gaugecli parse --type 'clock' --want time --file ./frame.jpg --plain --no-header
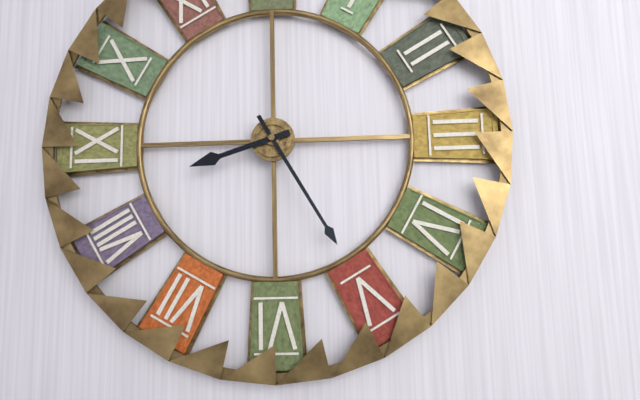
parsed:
8:25
